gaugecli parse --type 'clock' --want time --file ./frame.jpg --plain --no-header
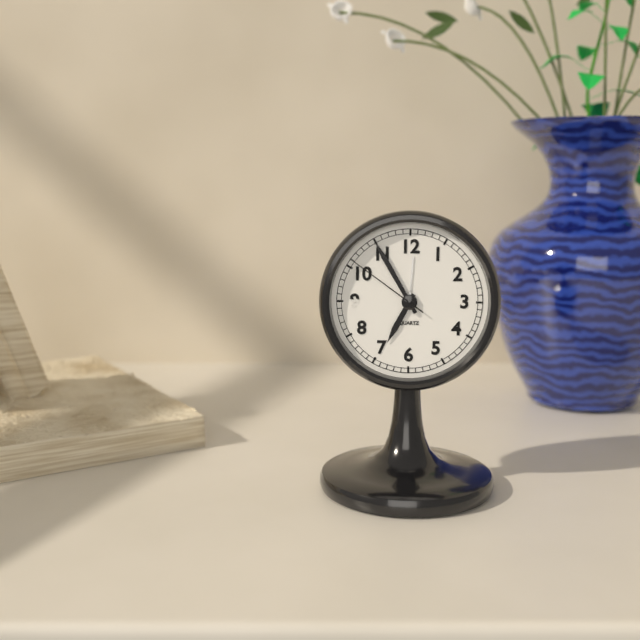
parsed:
6:55:51
